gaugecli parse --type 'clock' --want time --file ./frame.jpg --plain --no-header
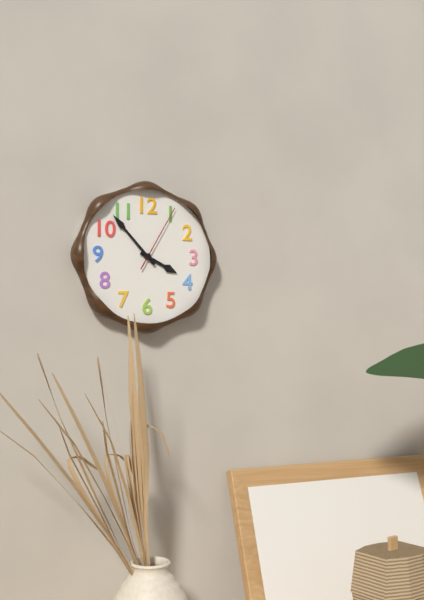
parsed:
3:53:05
